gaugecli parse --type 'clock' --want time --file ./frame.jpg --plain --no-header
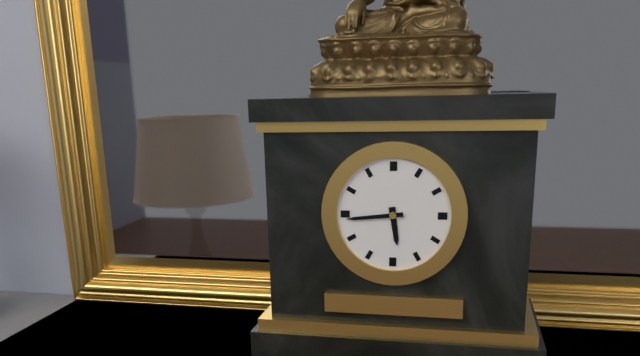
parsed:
5:44
